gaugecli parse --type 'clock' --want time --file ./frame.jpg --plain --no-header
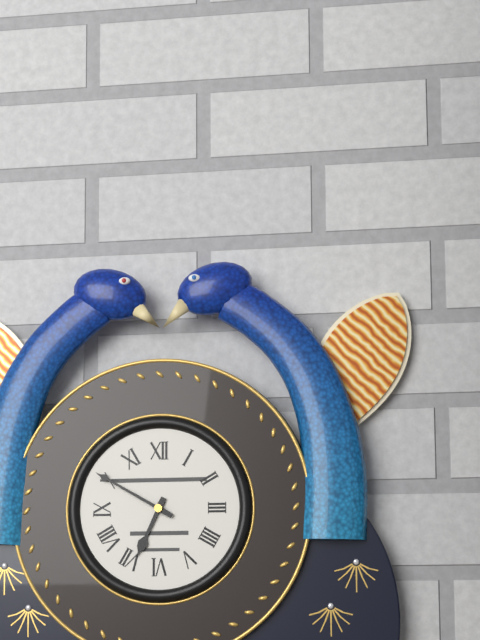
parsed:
6:50
